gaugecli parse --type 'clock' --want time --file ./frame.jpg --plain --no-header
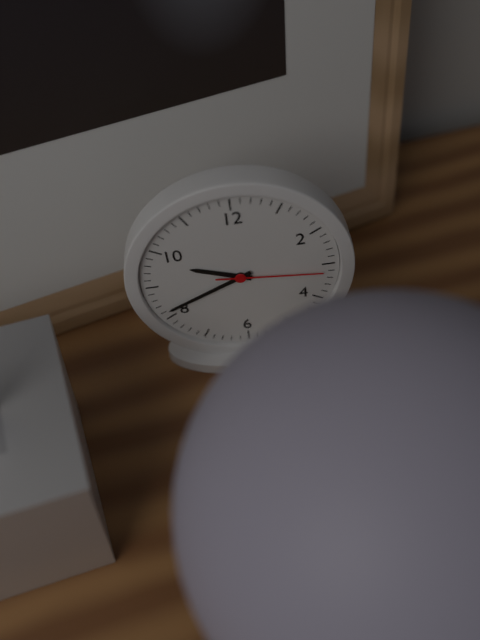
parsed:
9:41:16
